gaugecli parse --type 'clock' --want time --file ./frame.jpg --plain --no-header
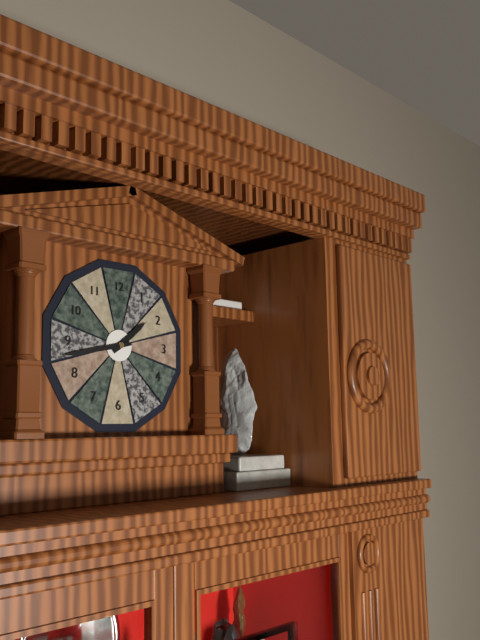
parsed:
1:43
